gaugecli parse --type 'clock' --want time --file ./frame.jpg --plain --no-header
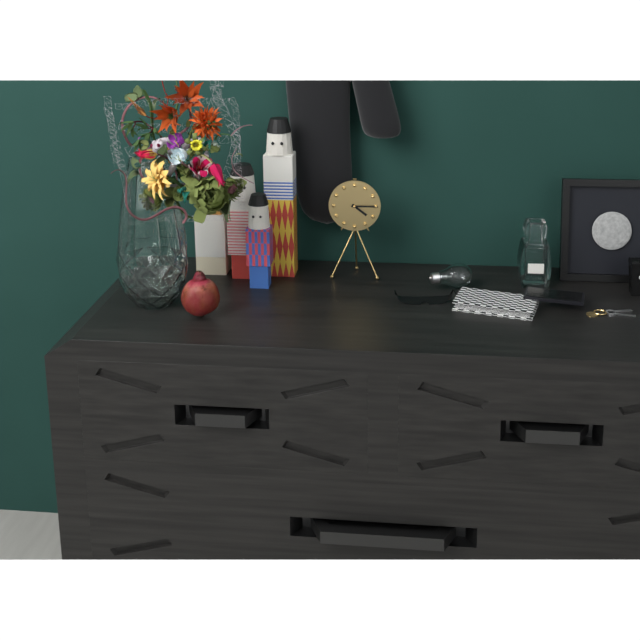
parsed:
4:15
